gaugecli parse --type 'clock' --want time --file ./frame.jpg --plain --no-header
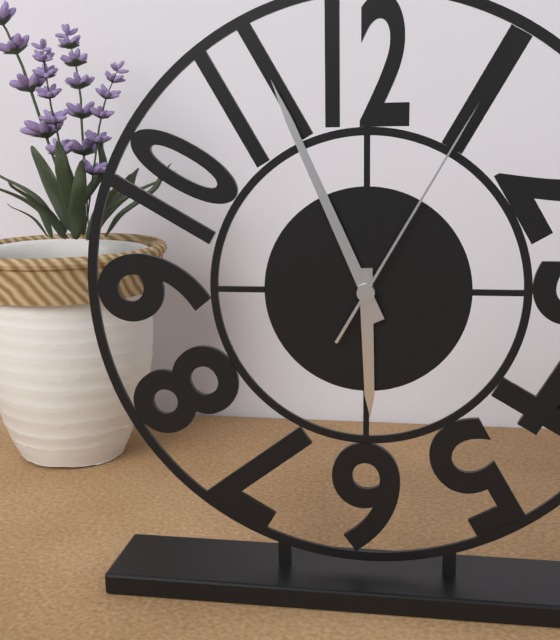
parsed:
5:56:05
